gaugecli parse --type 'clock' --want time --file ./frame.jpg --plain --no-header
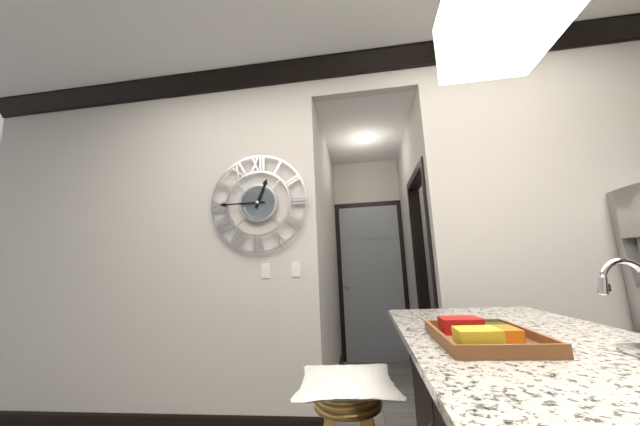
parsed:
12:45
